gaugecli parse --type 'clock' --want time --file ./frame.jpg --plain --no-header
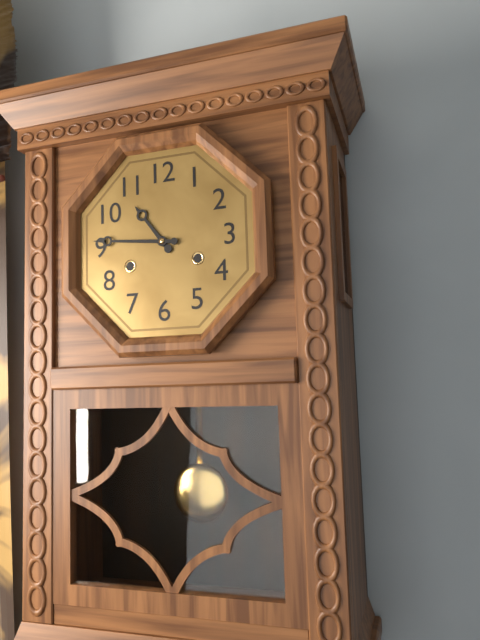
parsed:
10:46
